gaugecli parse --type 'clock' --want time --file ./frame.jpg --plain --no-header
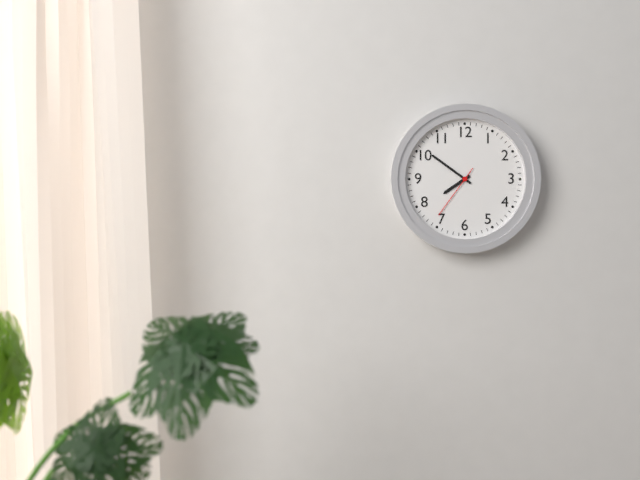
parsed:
7:51:36
